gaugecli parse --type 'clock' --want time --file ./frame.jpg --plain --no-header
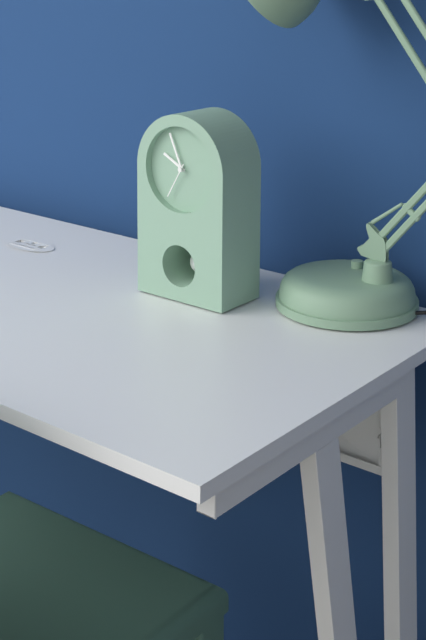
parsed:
9:56
